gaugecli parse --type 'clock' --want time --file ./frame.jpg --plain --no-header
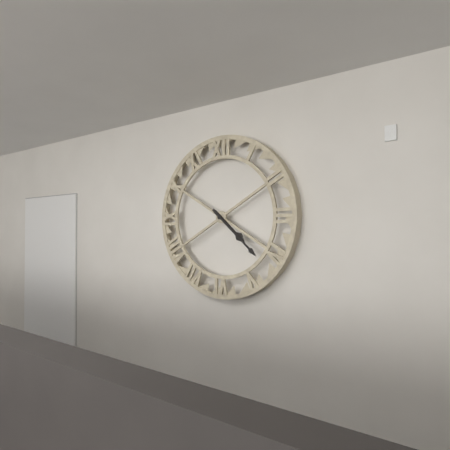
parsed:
4:22
